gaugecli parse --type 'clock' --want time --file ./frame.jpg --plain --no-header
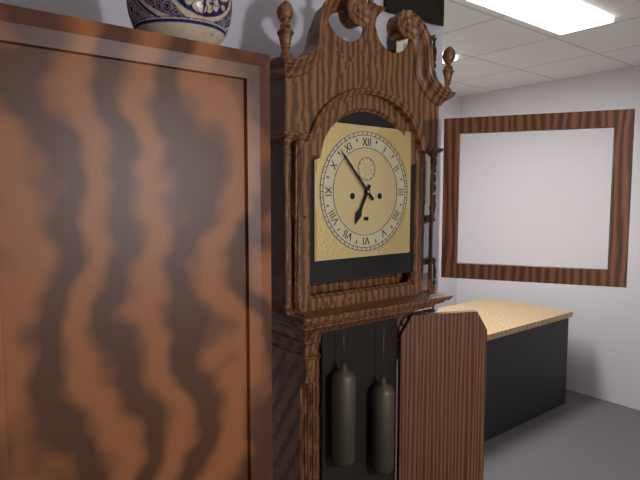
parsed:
6:53
